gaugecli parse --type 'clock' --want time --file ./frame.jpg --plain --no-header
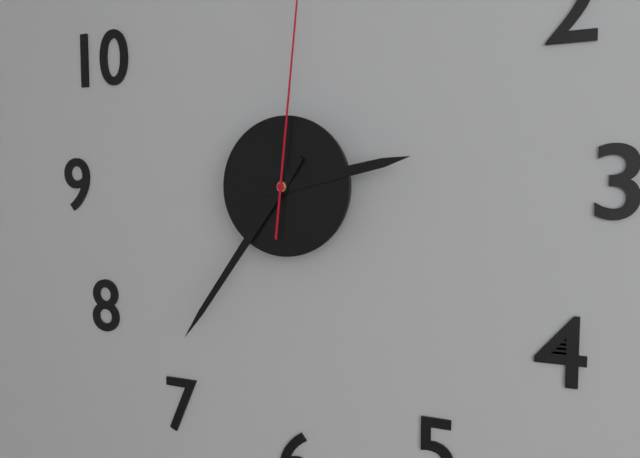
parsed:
2:36
